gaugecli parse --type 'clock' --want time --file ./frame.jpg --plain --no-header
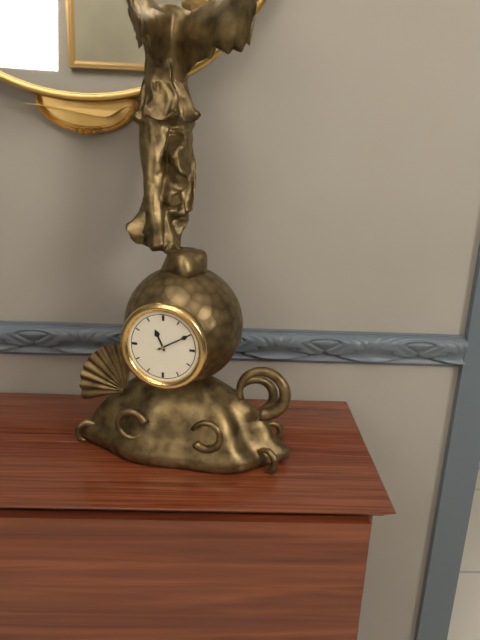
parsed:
11:10
